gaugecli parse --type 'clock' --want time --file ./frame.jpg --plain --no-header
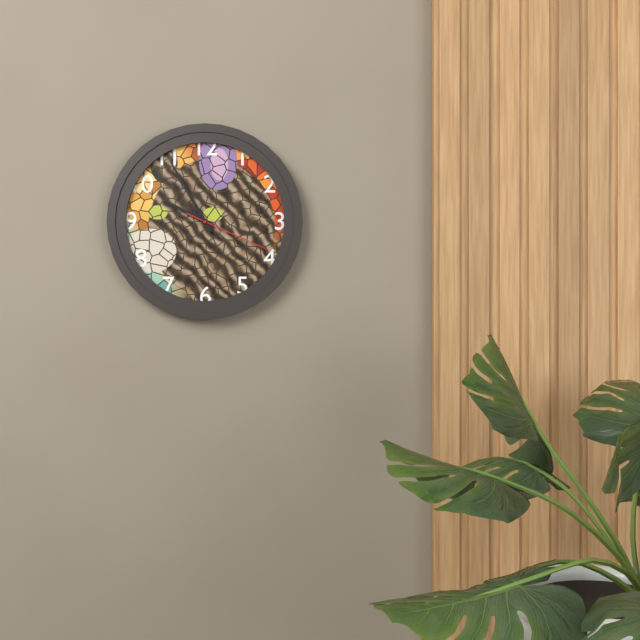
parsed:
9:55:19
